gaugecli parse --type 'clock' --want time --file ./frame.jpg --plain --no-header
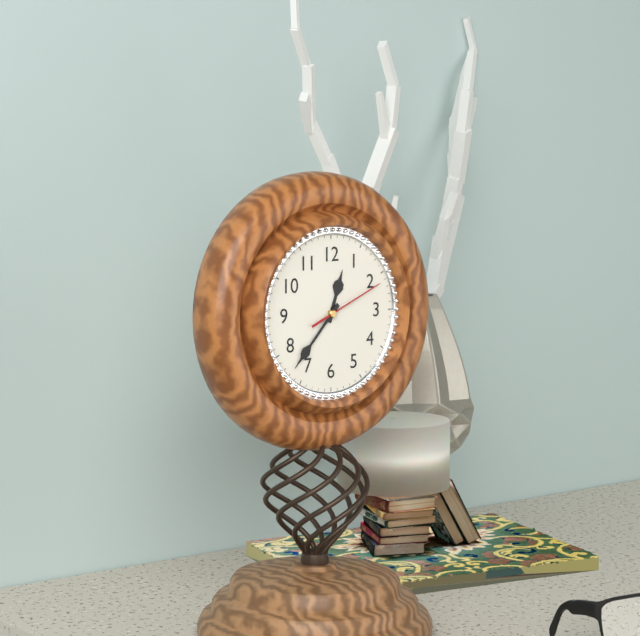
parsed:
12:37:11
